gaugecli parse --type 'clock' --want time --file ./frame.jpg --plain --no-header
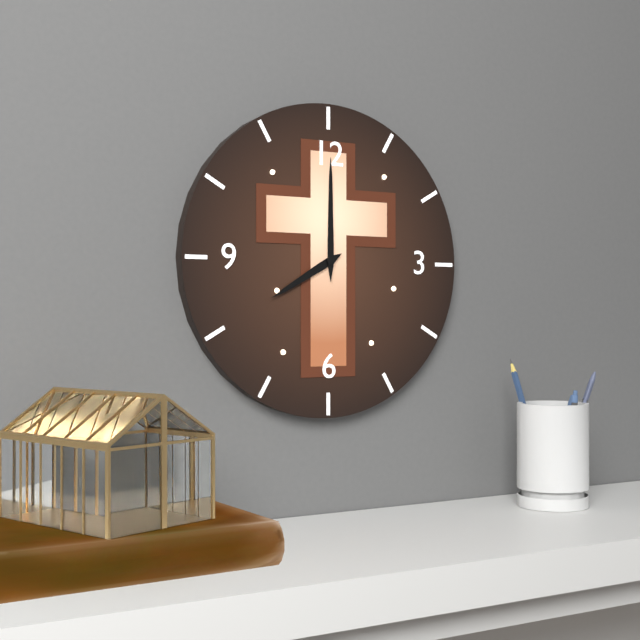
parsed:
8:00
